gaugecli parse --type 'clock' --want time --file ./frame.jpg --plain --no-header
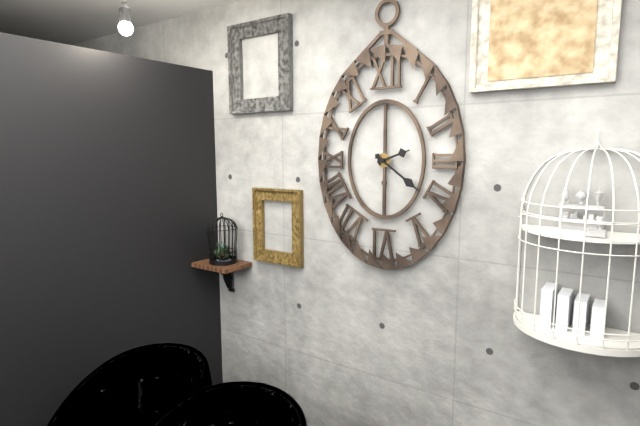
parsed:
2:21
